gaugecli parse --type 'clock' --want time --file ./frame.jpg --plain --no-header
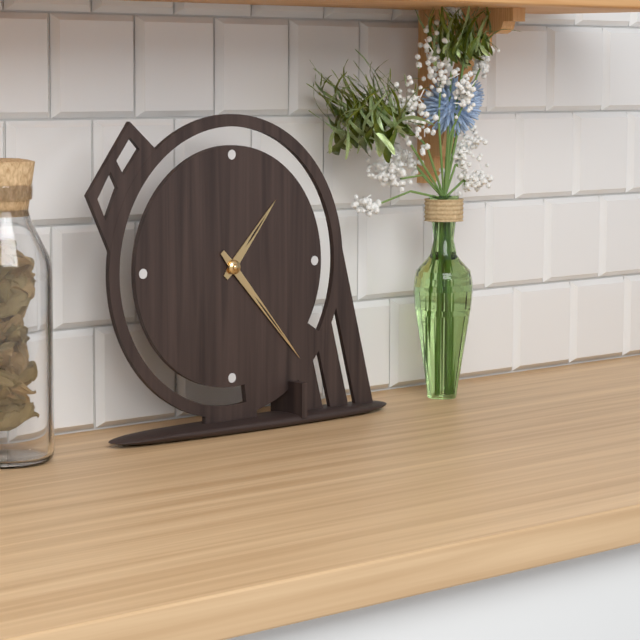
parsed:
1:23
